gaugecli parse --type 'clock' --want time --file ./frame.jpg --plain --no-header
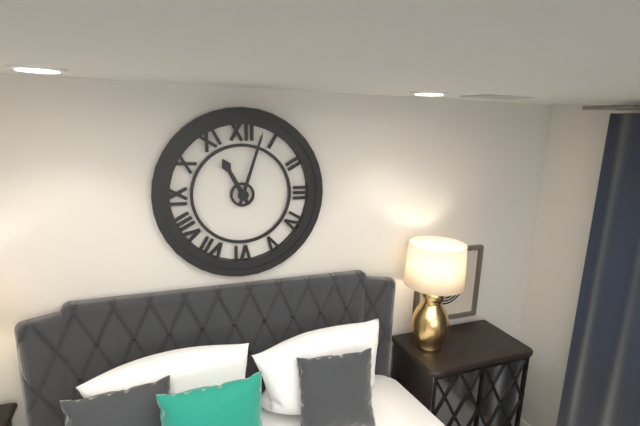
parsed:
11:03
